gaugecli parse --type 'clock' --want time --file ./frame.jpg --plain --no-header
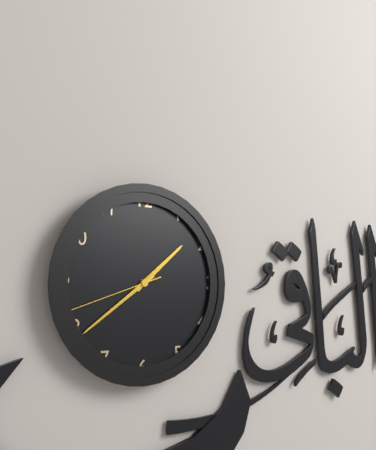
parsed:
1:39:42
